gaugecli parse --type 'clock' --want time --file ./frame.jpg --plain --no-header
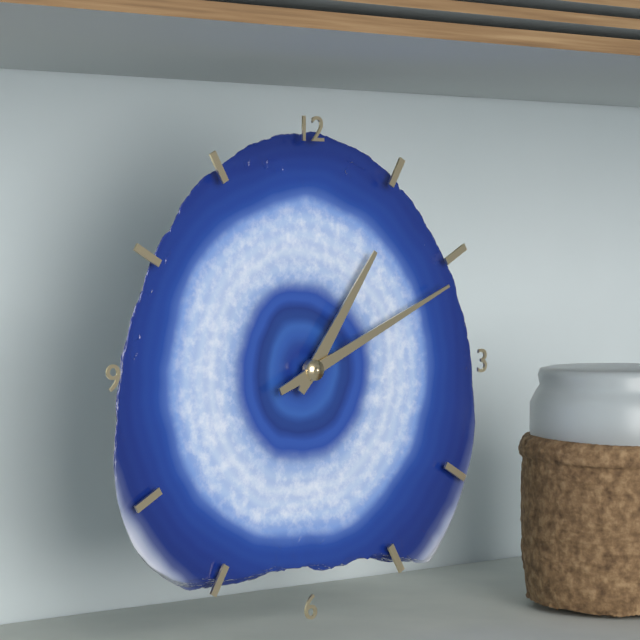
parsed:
1:11
